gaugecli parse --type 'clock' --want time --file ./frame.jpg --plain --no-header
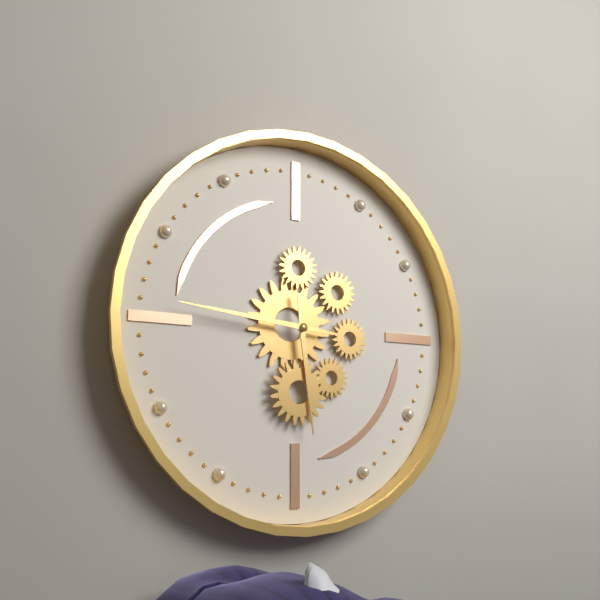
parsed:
5:46
